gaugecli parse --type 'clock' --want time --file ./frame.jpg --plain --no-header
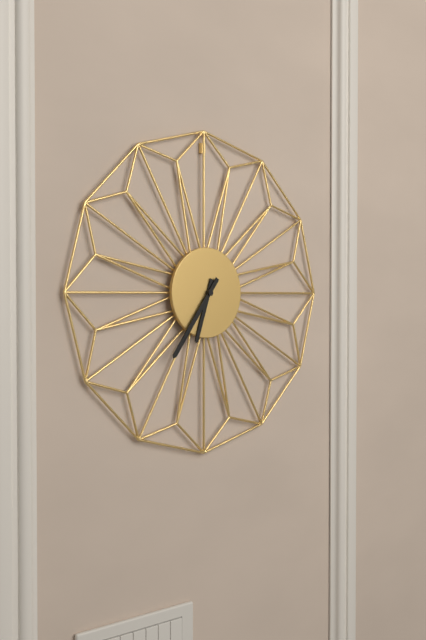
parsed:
6:36
